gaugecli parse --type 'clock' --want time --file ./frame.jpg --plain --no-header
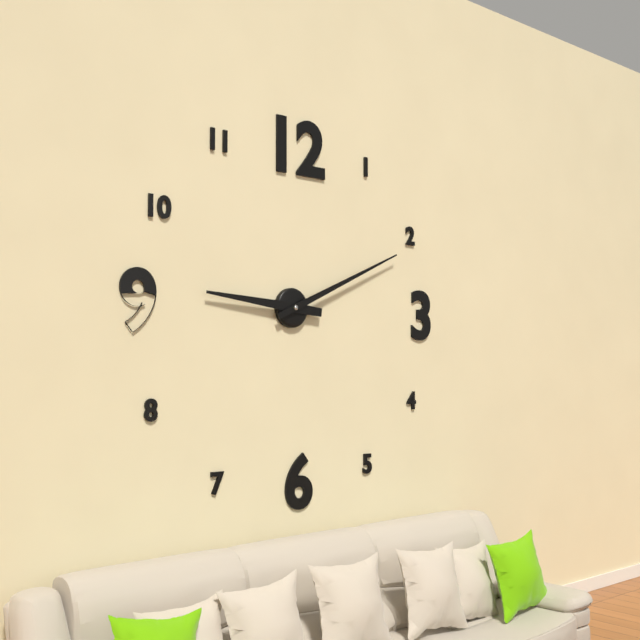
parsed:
9:11
